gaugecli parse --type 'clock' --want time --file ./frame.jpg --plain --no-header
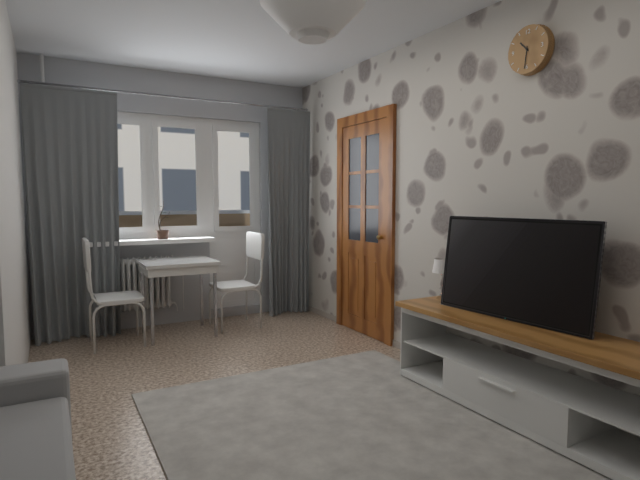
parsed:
10:31
